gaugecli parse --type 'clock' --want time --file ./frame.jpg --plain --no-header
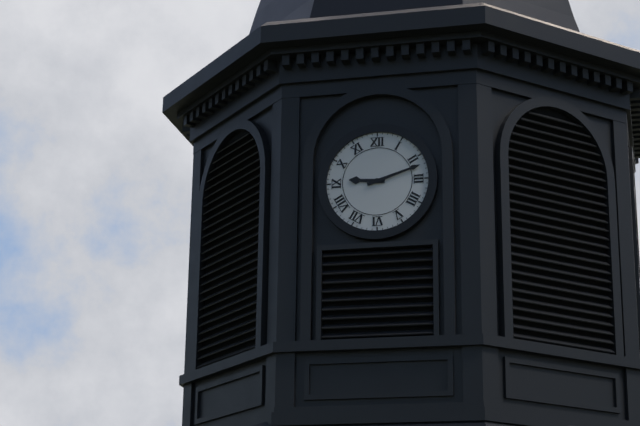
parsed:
9:12
